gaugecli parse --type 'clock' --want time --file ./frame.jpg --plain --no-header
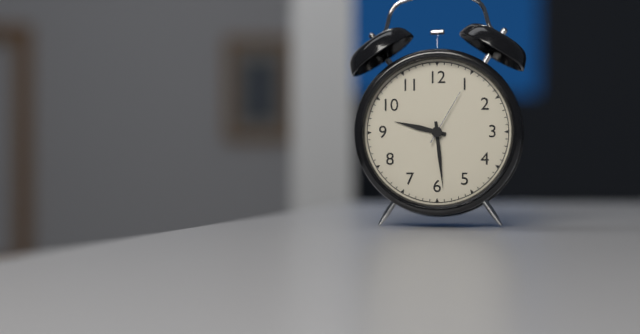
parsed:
9:29:05
